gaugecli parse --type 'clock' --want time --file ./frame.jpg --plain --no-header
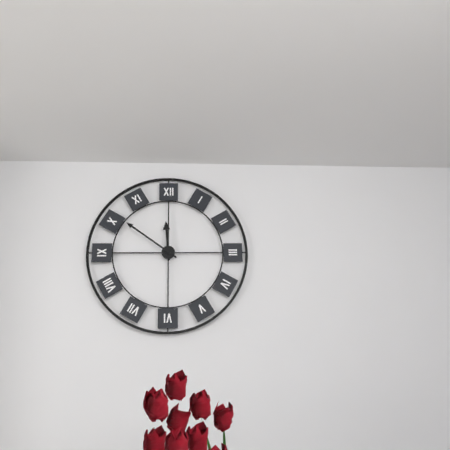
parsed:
11:51
